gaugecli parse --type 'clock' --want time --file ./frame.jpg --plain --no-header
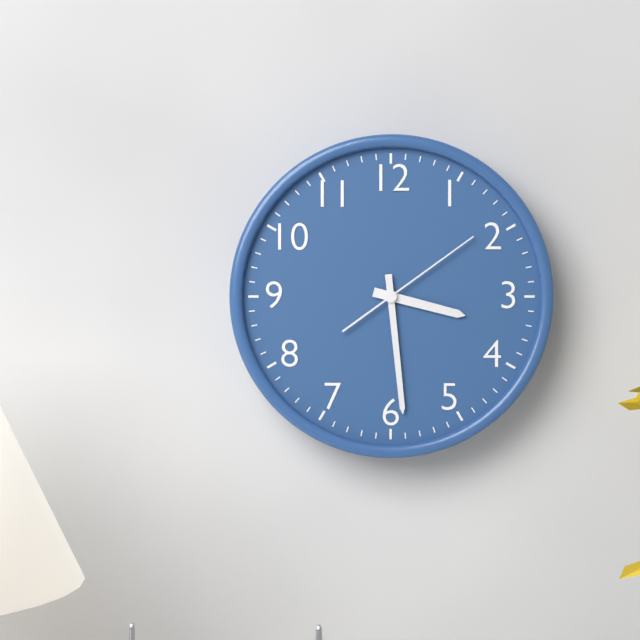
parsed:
3:29:09
